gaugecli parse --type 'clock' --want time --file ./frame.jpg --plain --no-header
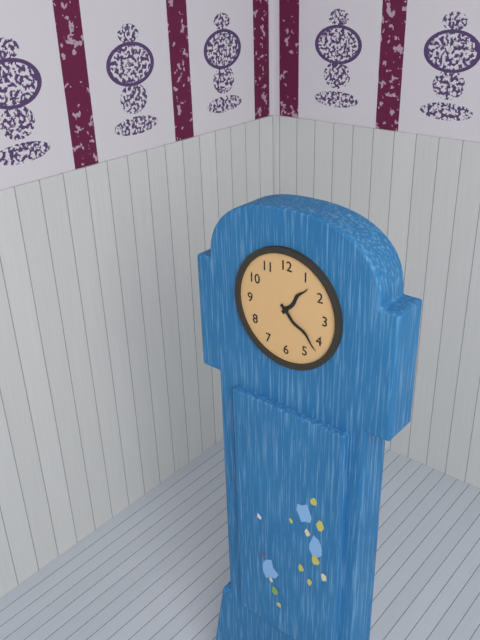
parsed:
1:22
